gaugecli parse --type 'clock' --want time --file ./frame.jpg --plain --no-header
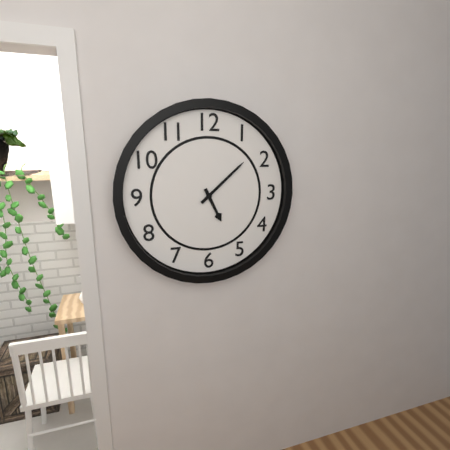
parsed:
5:08
